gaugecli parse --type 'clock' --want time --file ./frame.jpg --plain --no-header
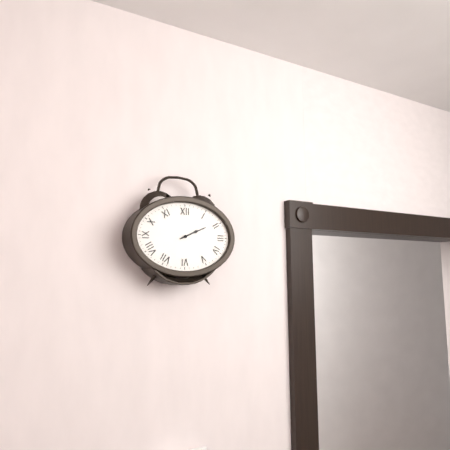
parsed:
2:11
